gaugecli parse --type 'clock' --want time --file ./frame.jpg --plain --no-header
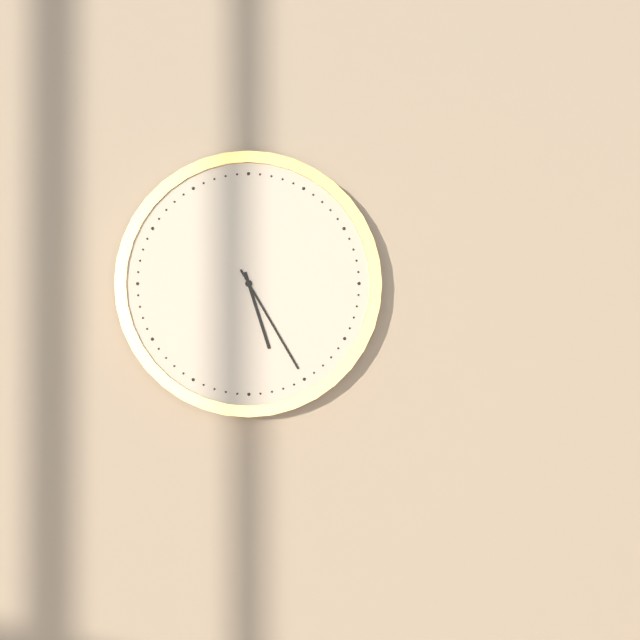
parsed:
5:25
